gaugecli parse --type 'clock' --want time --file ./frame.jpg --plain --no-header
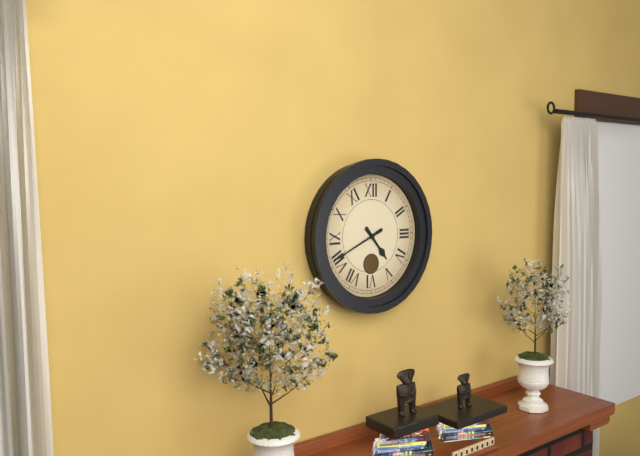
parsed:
4:41
